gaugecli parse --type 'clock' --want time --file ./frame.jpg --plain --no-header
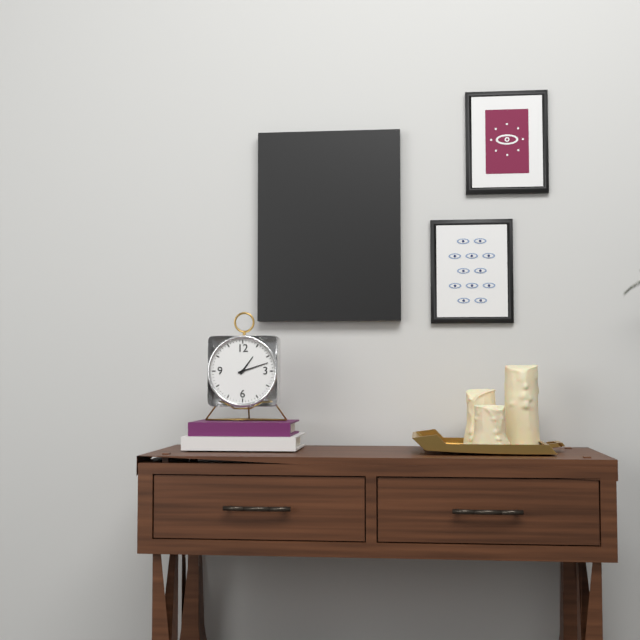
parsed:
1:12
